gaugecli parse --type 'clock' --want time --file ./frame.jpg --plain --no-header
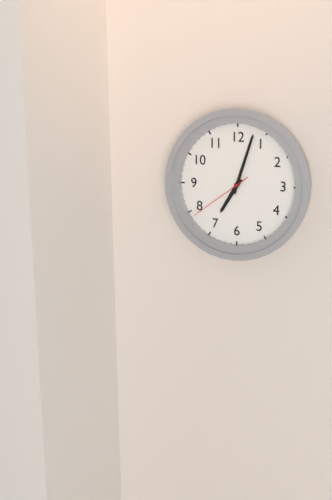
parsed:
7:03:39
